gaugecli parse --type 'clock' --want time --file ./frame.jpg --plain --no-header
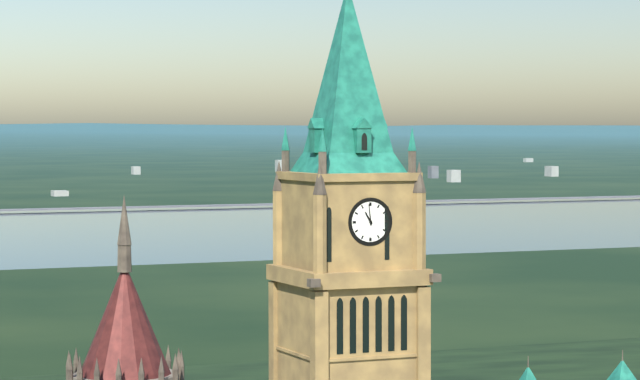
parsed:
10:59
